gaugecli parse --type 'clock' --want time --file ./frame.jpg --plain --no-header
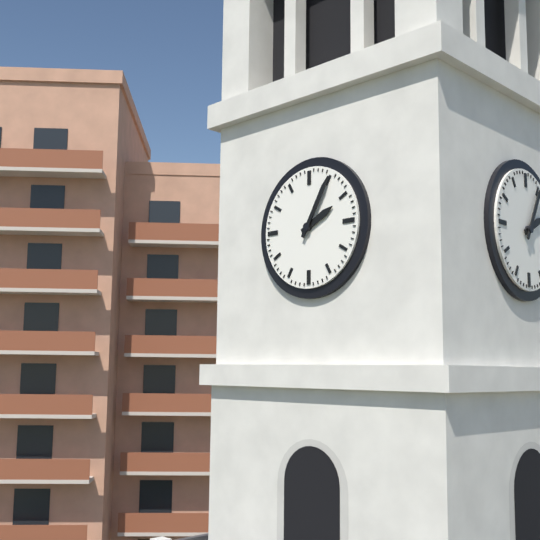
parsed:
2:05
